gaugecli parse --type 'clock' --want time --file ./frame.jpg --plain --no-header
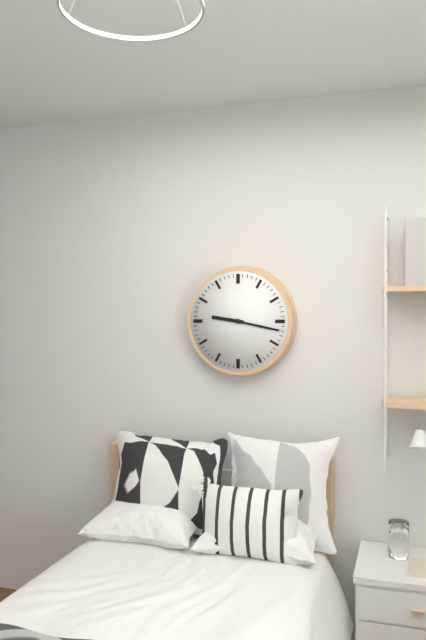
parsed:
9:17
